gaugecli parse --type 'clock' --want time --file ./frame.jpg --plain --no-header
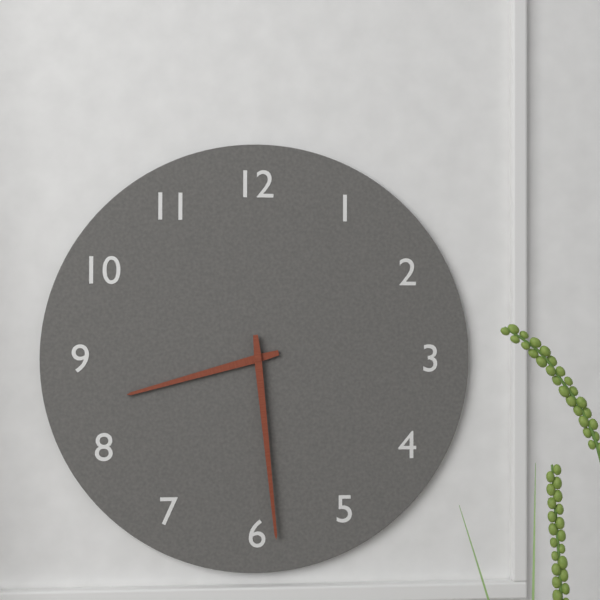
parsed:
8:29
